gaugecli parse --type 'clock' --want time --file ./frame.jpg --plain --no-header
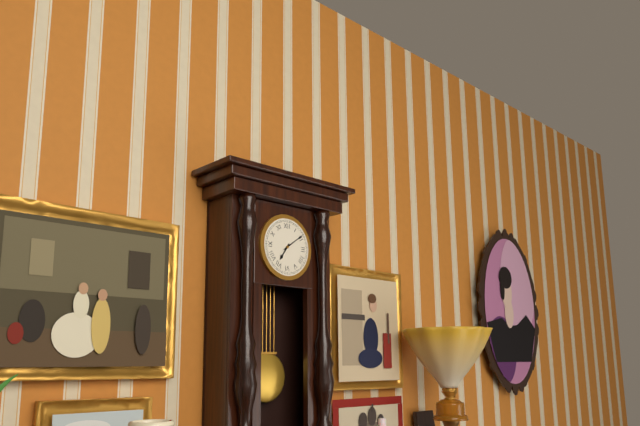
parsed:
7:09
